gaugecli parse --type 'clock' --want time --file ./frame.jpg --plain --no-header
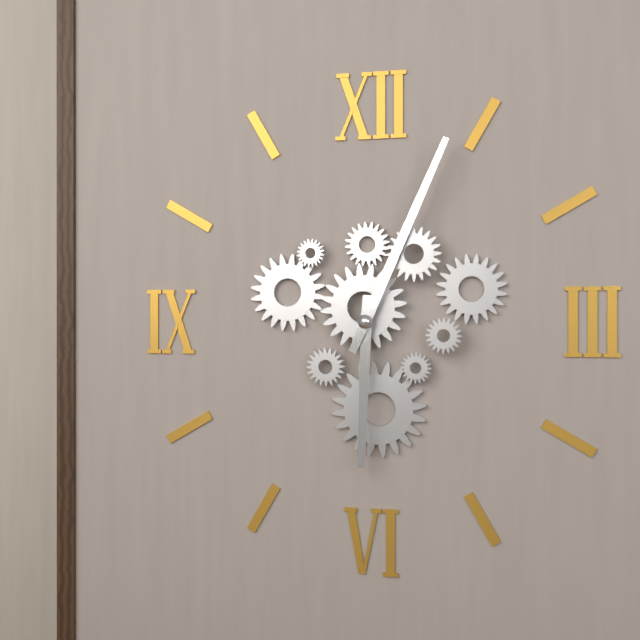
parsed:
6:04
